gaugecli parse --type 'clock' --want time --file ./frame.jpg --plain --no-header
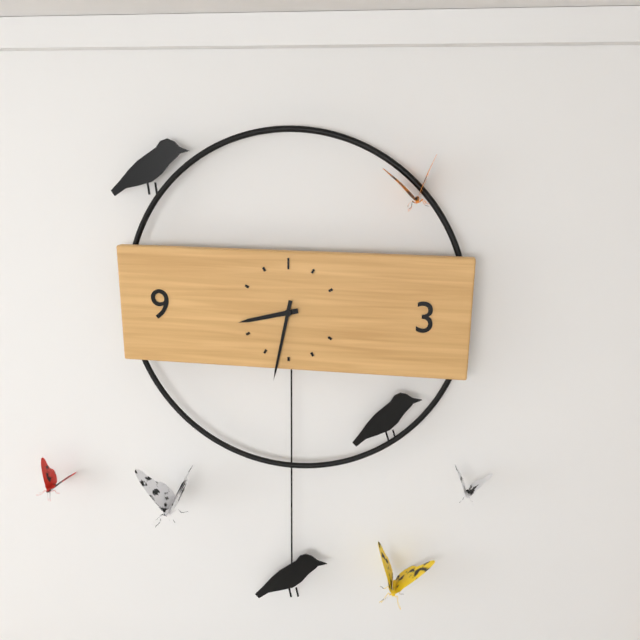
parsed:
8:32
